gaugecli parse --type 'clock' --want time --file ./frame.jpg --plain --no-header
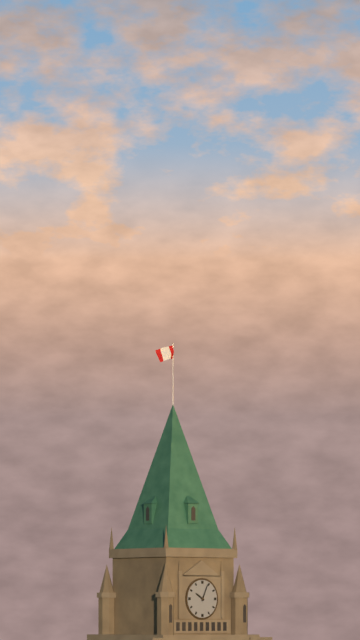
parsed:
10:04
